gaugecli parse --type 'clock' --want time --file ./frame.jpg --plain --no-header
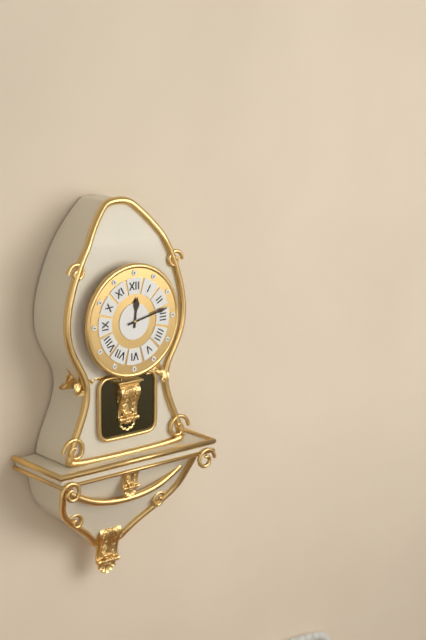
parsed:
12:13
